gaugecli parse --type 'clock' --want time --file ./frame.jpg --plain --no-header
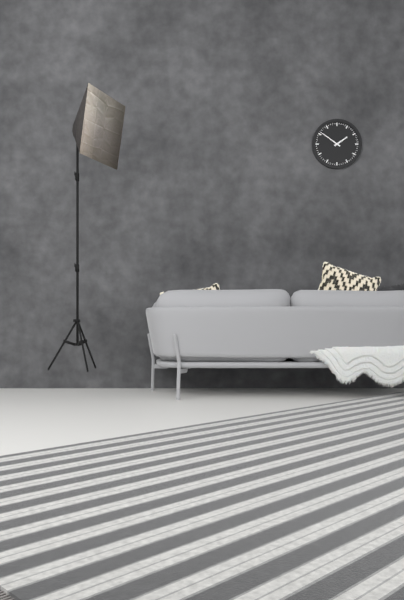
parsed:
1:51
